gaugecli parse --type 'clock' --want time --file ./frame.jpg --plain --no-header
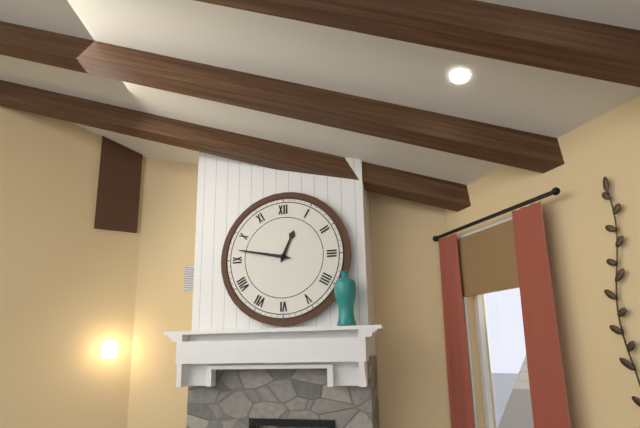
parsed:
12:47
